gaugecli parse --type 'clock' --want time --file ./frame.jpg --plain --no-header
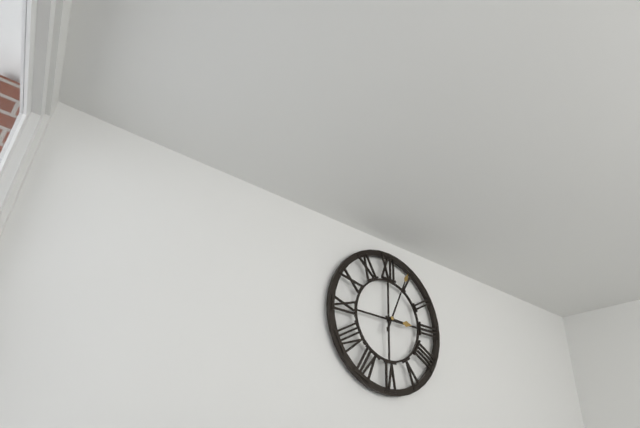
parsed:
3:04
